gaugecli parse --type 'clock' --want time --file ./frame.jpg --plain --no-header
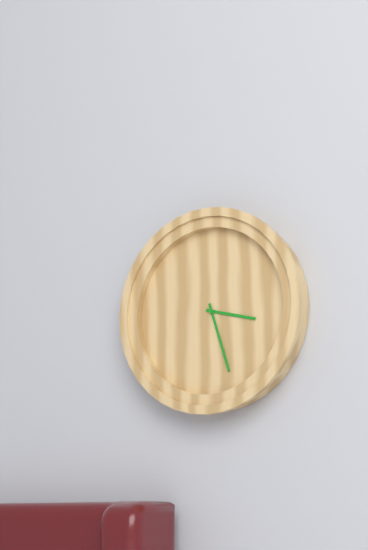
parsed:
3:27
